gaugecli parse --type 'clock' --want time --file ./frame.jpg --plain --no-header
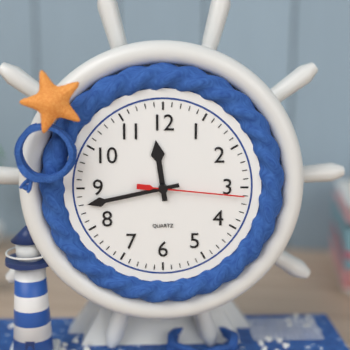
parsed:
11:43:16
